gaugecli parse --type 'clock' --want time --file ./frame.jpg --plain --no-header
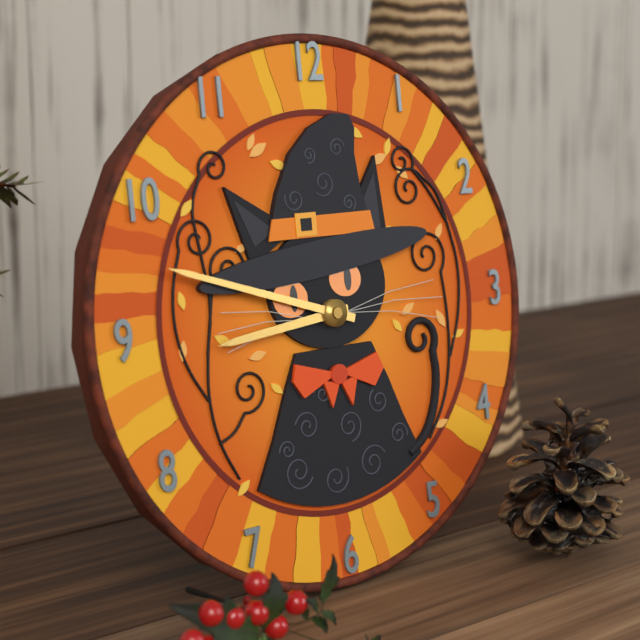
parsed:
8:48
